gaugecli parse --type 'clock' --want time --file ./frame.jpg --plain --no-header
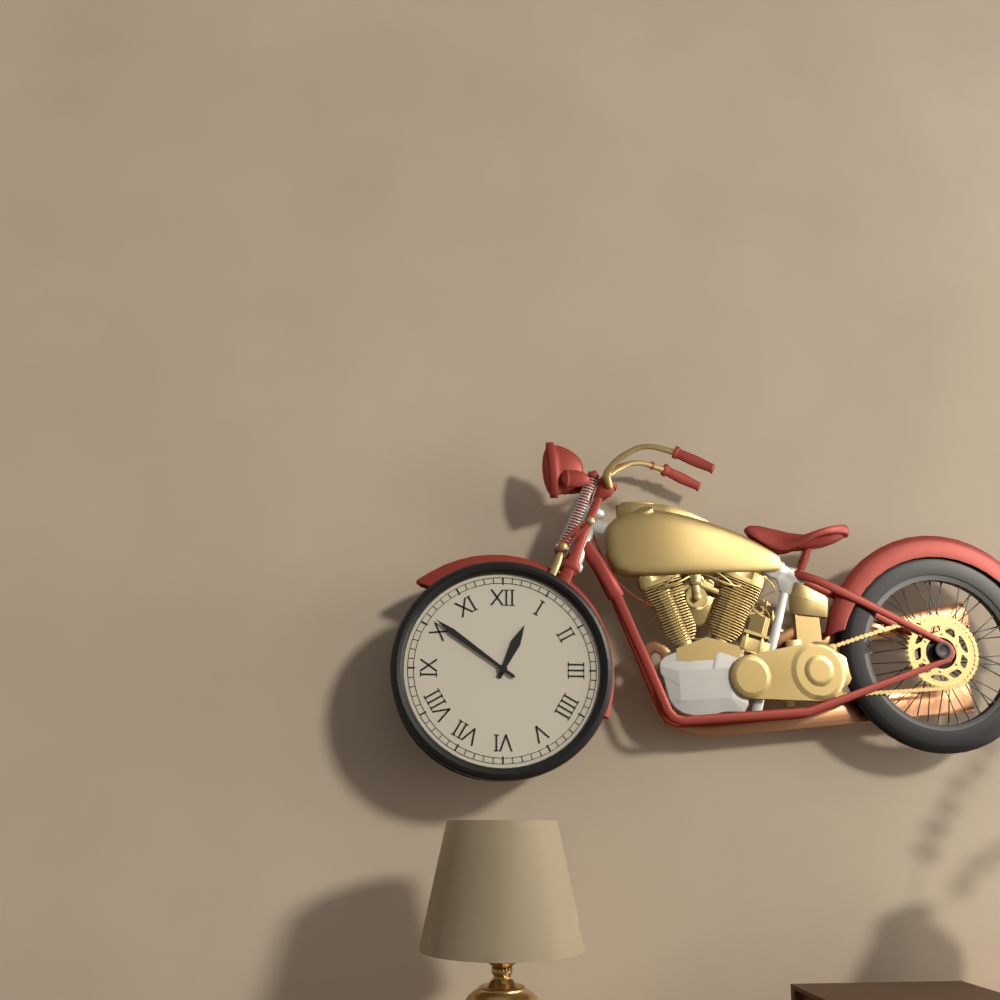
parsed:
12:51
